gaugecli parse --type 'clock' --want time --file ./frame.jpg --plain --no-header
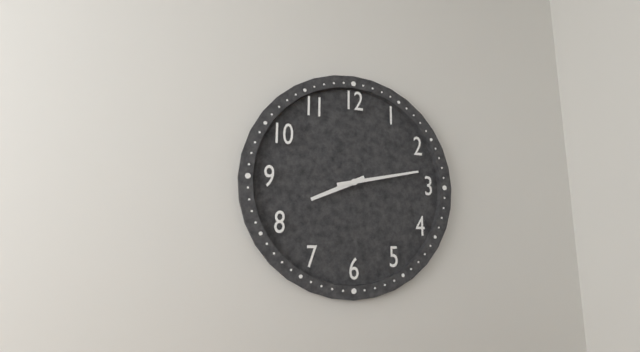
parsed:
8:13
